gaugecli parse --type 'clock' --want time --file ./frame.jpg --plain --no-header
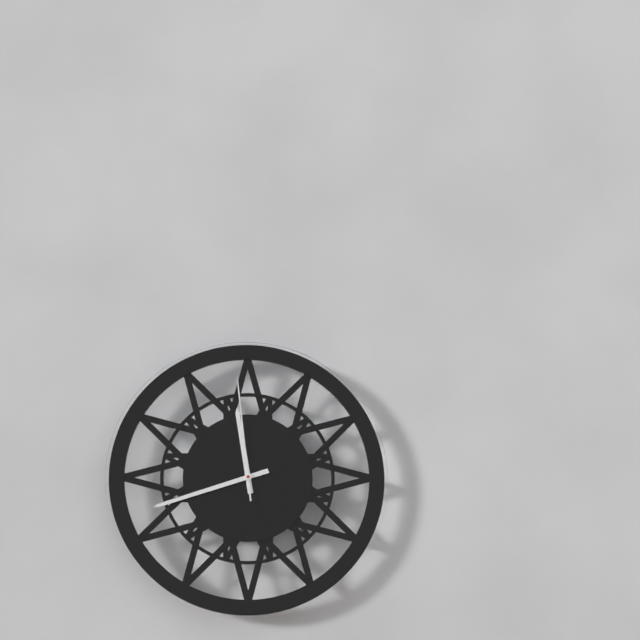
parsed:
11:42:59
